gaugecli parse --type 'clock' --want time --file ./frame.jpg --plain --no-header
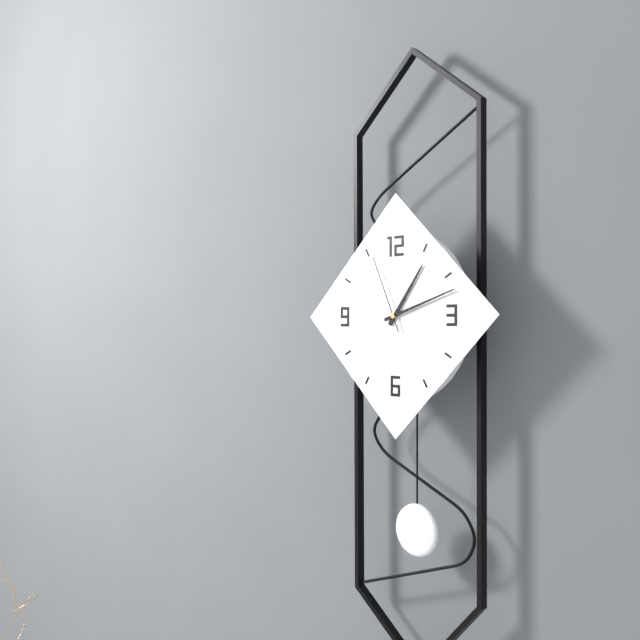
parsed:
1:12:56
